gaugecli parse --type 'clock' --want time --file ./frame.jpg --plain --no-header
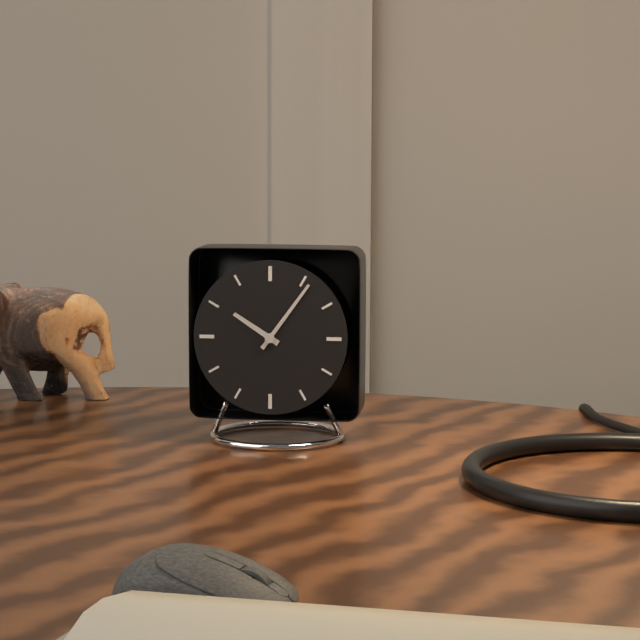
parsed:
10:06
